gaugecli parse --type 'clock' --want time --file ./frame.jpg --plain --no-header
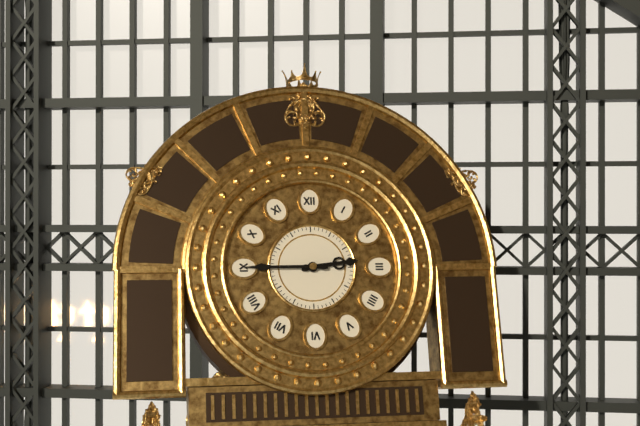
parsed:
2:45
